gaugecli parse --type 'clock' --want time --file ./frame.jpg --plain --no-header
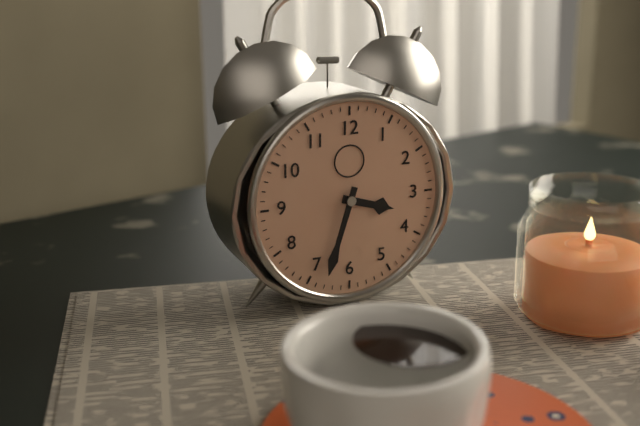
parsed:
3:33
